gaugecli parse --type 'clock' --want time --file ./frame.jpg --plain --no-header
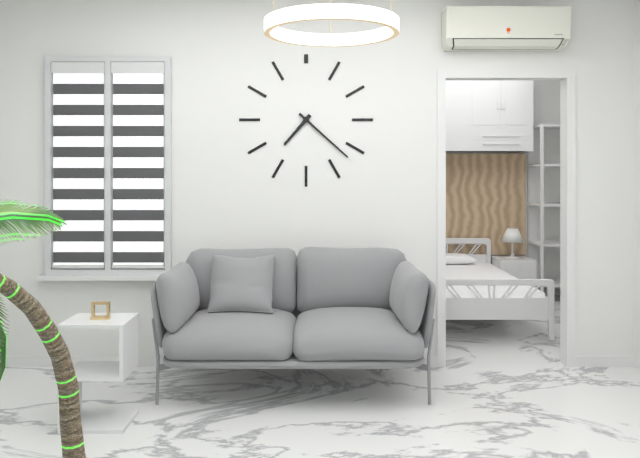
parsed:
7:22
